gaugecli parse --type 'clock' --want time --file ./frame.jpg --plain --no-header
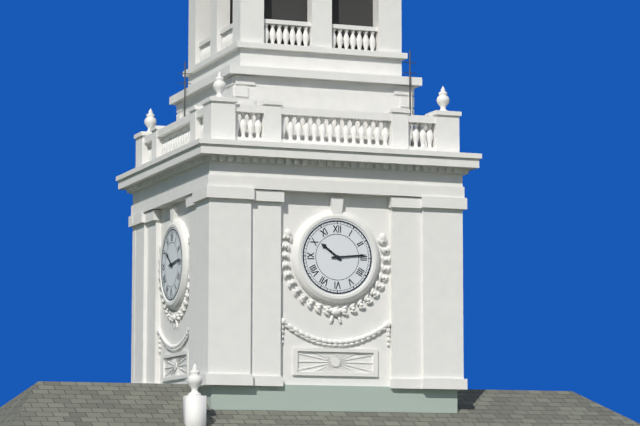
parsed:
10:14
